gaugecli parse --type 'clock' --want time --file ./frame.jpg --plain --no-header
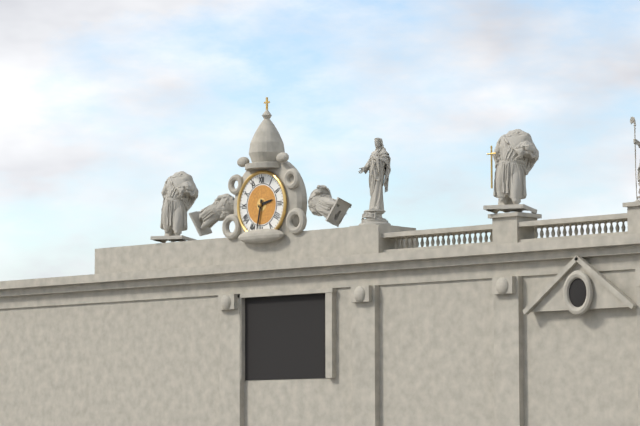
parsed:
2:32
